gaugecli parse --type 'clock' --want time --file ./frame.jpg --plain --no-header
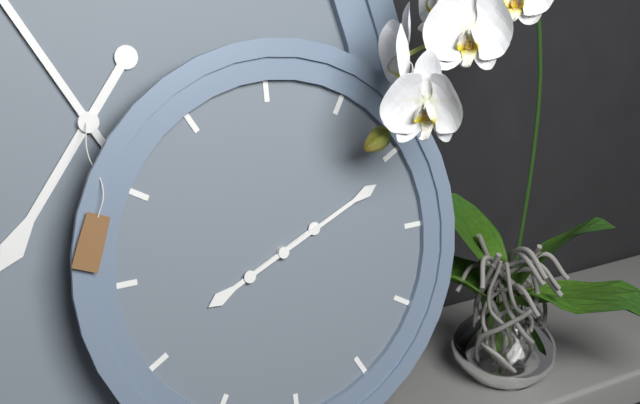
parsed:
8:11
